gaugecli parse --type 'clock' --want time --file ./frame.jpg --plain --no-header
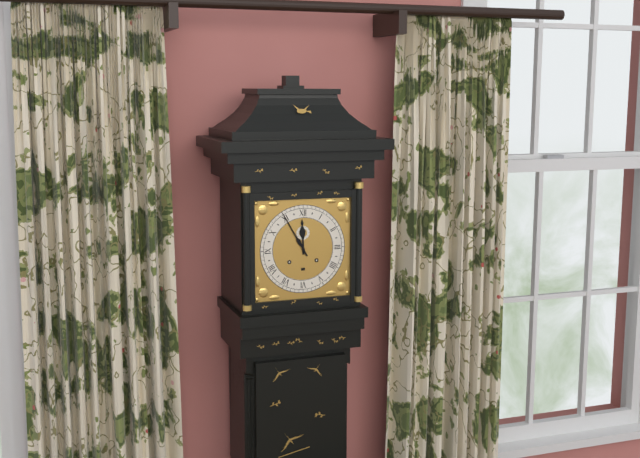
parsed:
11:55
